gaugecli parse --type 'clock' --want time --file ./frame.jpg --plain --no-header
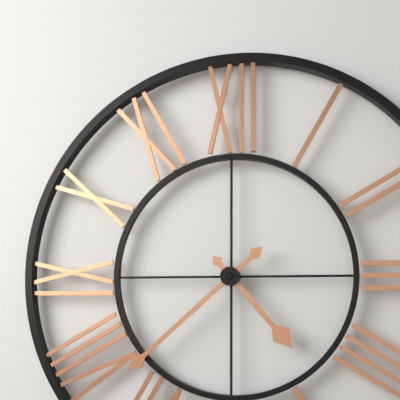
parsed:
4:38
